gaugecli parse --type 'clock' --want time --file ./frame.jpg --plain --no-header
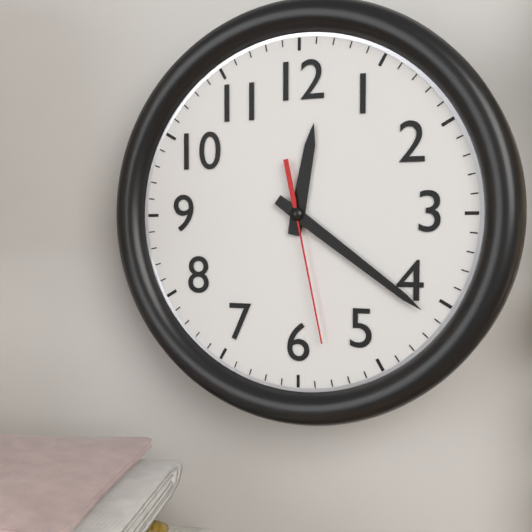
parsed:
12:21:28
